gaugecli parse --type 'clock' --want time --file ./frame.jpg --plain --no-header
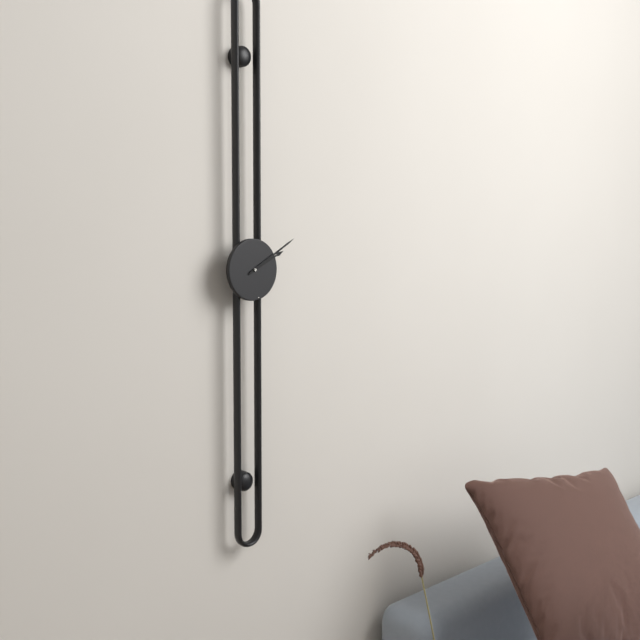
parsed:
2:10
